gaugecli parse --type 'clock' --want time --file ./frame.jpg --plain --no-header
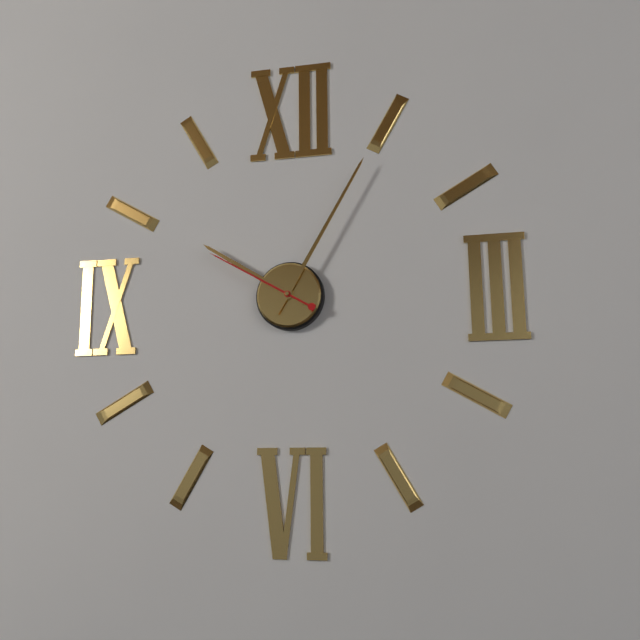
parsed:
10:05:50
